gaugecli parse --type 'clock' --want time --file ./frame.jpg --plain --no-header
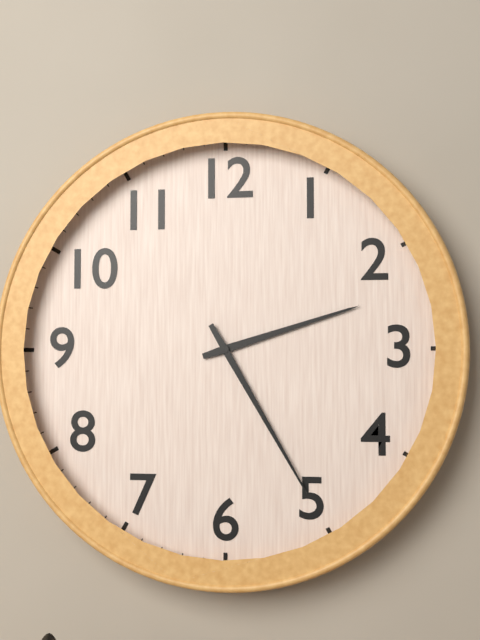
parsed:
2:25
